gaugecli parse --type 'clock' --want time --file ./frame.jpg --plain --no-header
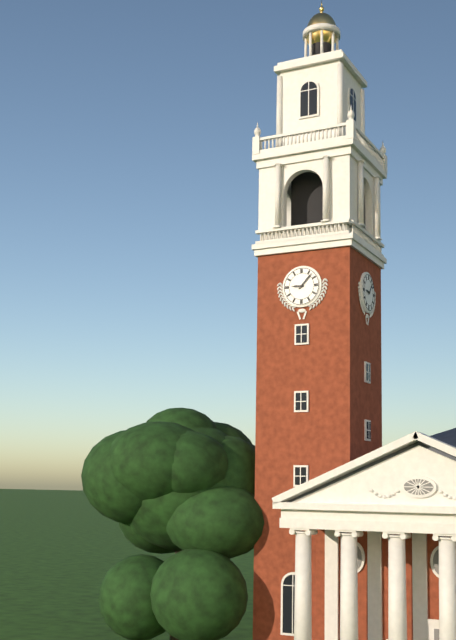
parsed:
9:07
